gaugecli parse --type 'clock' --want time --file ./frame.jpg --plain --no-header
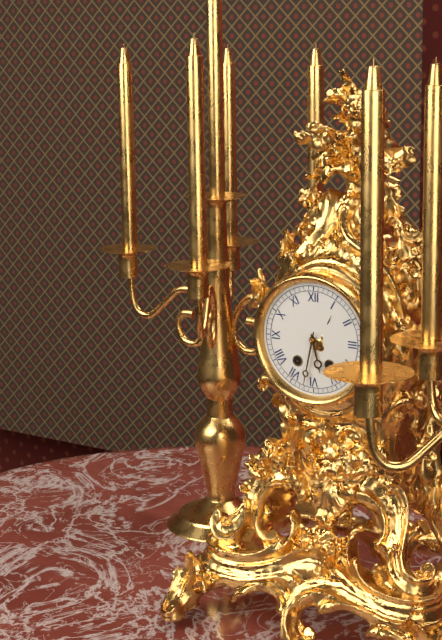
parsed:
5:32
